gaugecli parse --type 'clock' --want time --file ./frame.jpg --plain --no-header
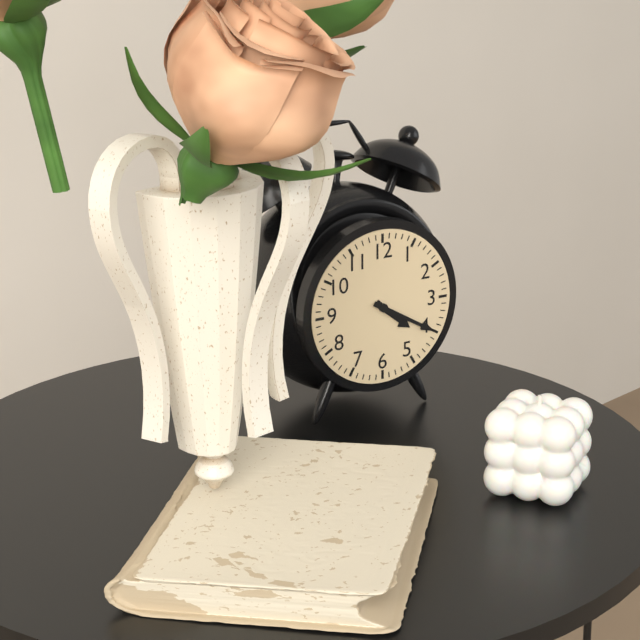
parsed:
4:20
